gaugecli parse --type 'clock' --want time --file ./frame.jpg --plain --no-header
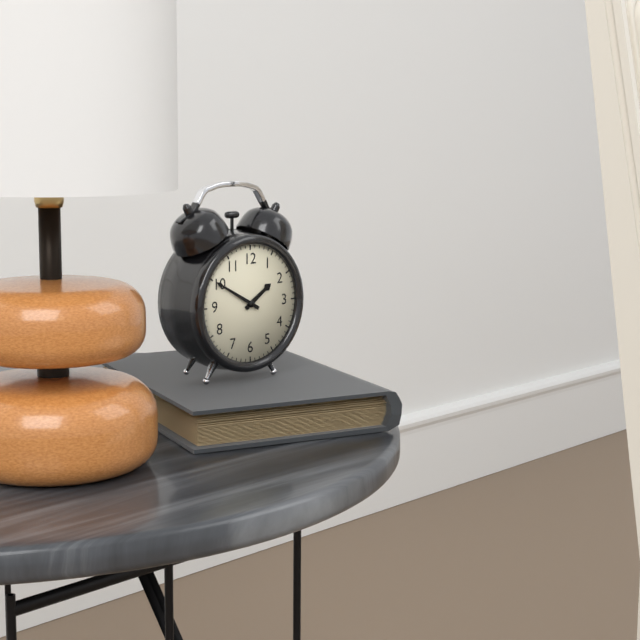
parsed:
1:50
